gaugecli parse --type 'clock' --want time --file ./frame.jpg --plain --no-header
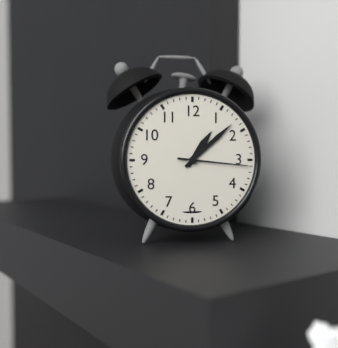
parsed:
1:08:16
